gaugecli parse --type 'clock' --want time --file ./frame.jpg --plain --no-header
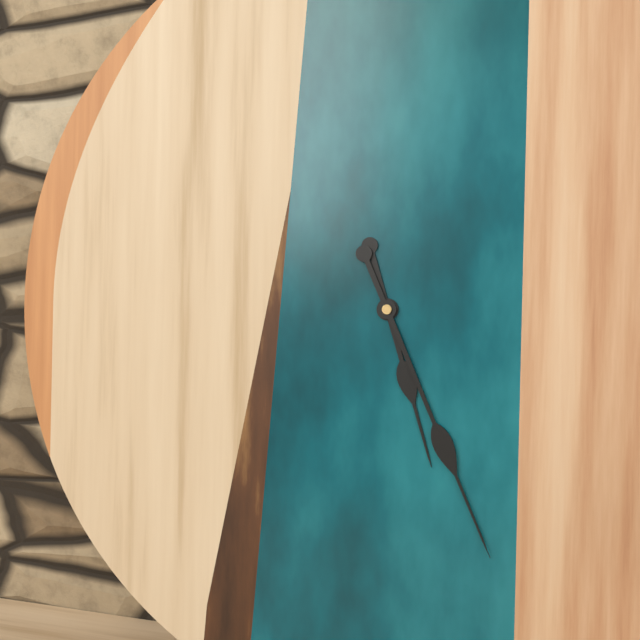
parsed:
5:26
